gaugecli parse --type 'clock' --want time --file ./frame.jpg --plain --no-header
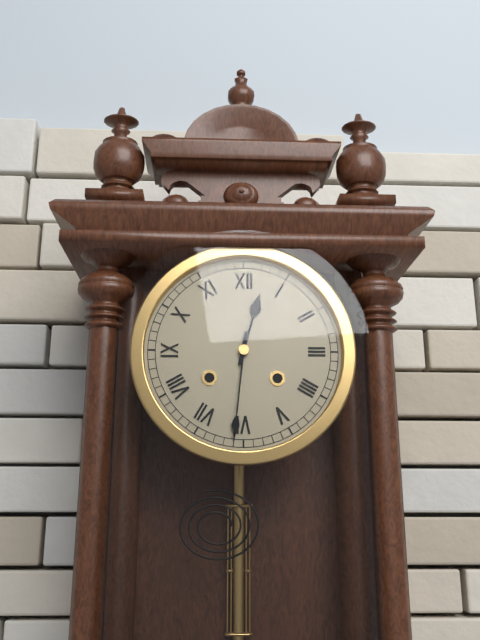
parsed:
12:31
